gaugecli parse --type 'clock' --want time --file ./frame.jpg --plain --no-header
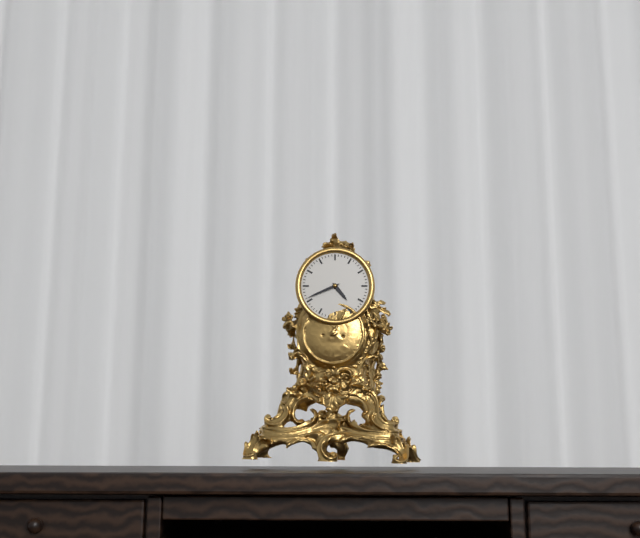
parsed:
4:41
